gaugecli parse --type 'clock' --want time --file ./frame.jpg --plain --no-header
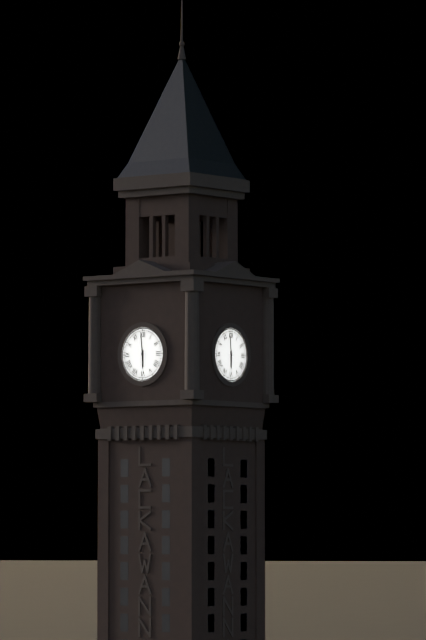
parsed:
5:59
